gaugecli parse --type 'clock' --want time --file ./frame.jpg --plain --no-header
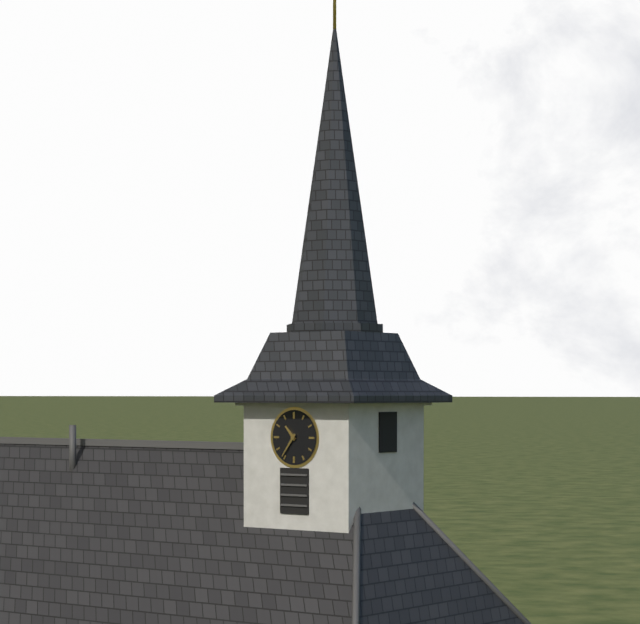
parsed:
10:36
